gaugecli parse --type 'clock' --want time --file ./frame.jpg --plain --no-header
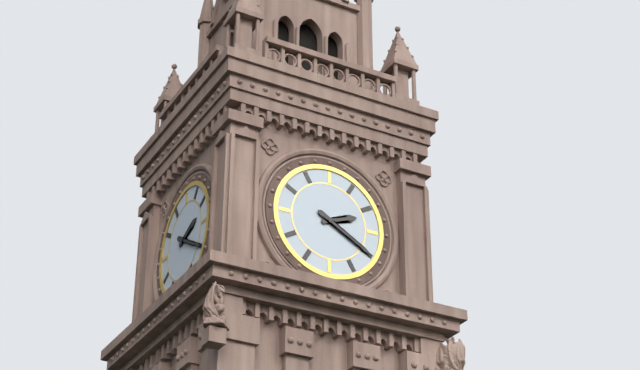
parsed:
2:20
